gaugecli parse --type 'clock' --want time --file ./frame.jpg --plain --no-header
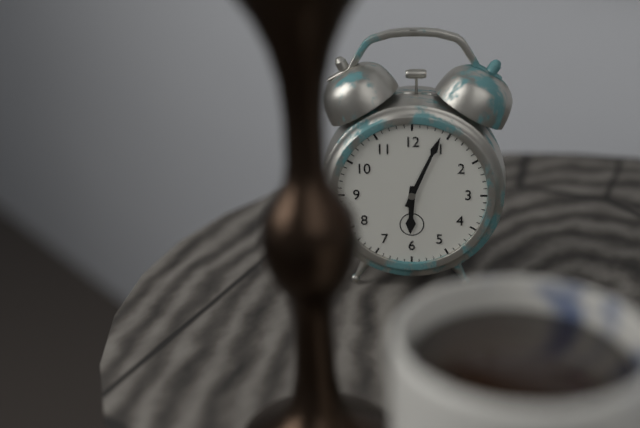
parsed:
6:04
